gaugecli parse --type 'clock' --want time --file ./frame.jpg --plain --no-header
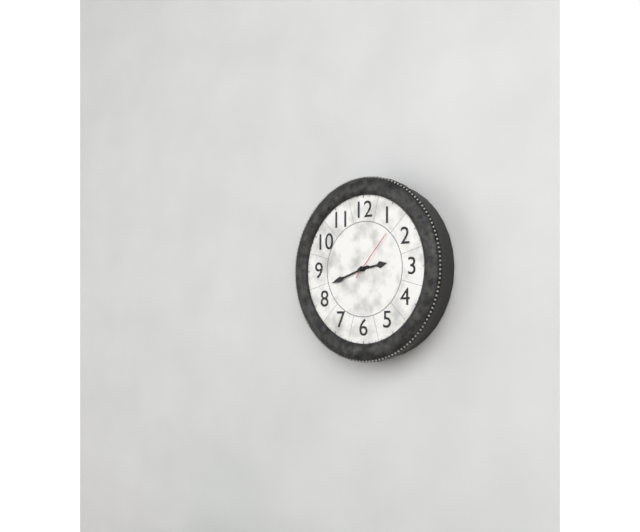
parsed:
2:42:07
